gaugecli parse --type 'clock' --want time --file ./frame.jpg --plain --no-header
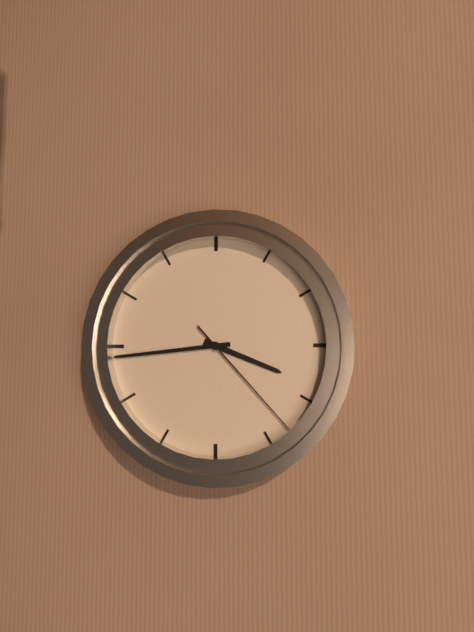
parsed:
3:44:23
